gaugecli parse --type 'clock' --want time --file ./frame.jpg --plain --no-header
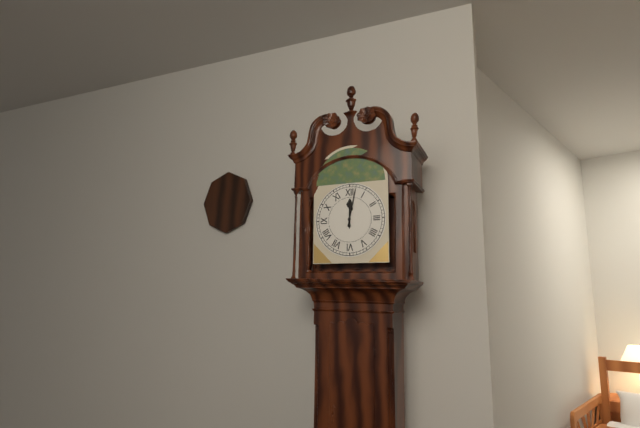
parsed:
12:02
